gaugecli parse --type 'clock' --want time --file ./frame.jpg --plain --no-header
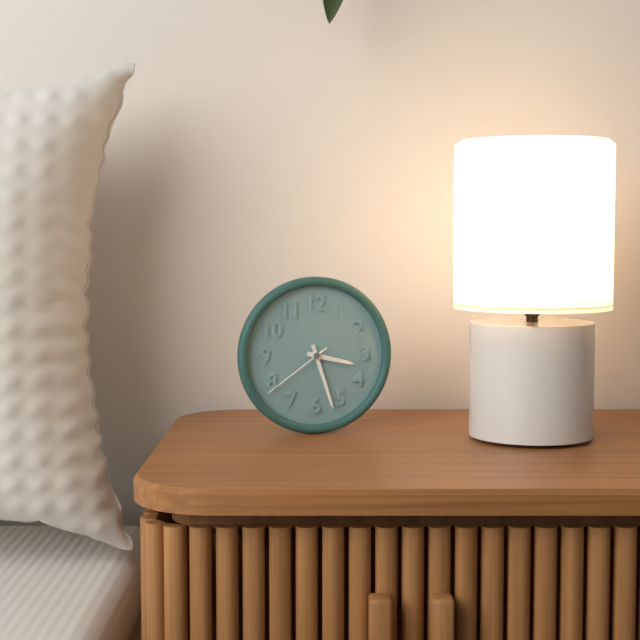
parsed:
3:27:39
